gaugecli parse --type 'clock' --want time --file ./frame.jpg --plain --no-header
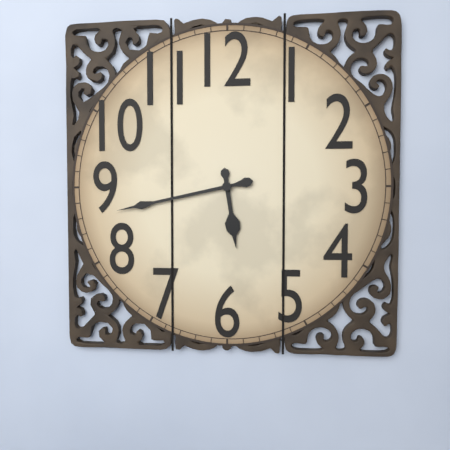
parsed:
5:43
